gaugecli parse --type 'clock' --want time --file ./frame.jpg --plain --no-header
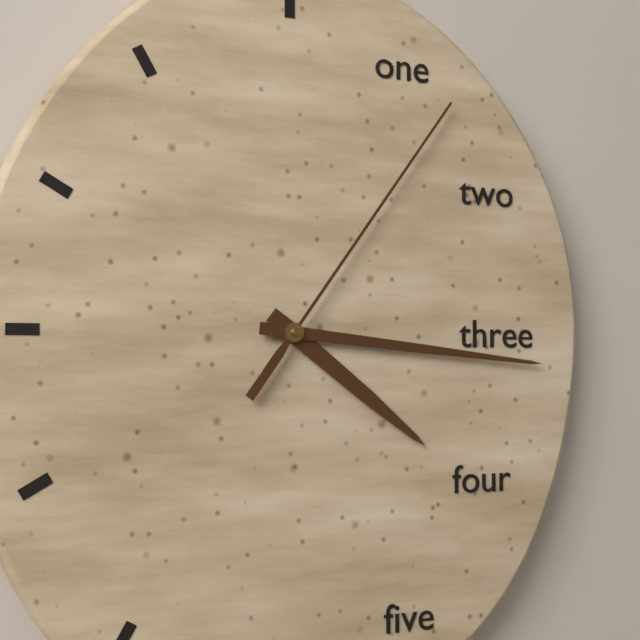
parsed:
4:16:06
